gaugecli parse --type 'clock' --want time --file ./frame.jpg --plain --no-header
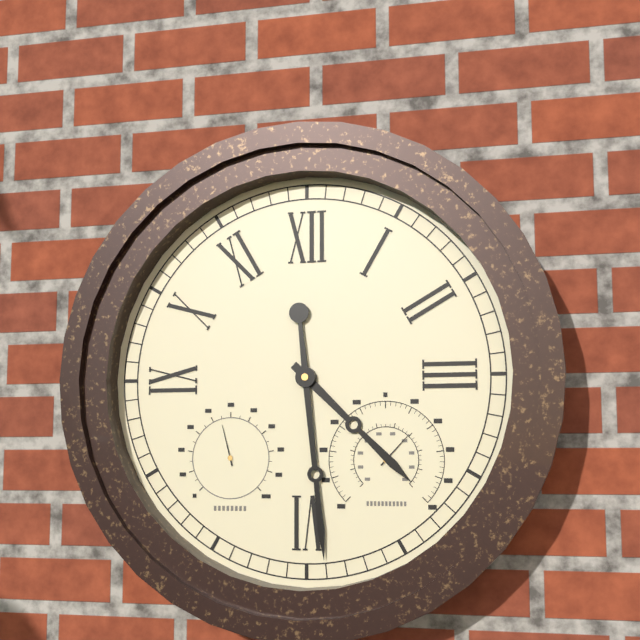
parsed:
4:29
